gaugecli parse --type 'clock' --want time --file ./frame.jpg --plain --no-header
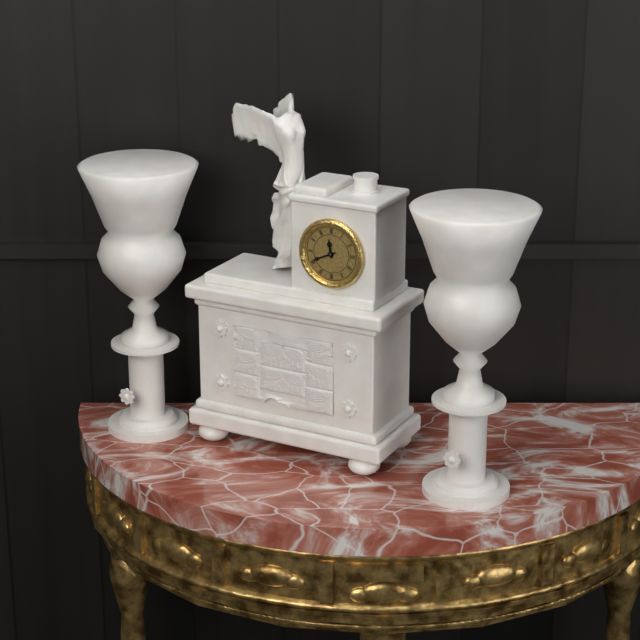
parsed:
11:41
